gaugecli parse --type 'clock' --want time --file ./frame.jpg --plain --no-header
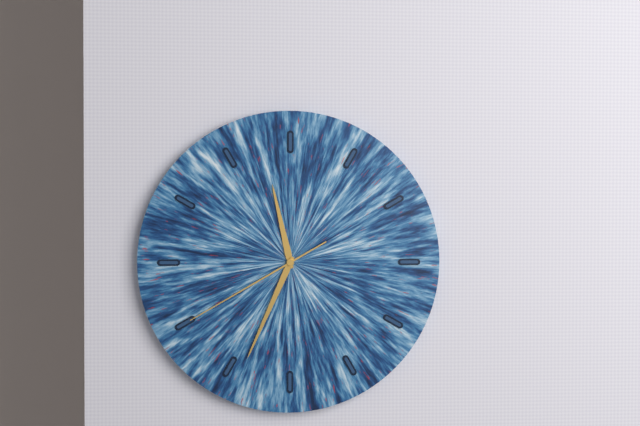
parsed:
11:34:40
